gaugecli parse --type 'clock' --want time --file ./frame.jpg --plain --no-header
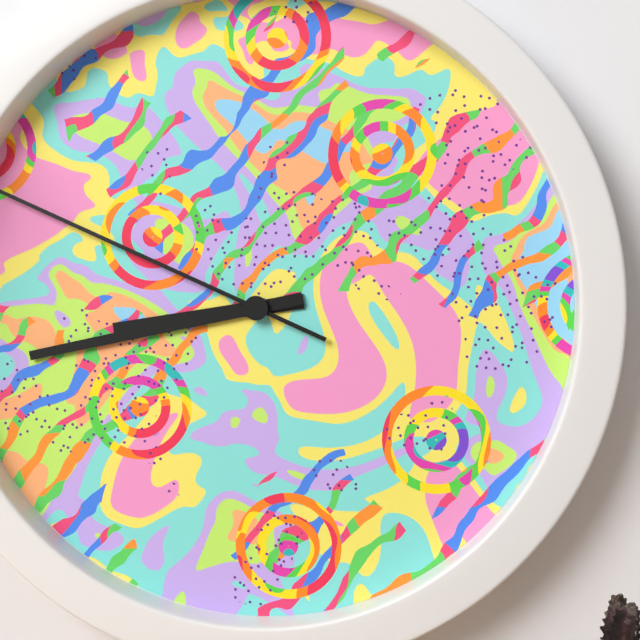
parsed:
8:43
